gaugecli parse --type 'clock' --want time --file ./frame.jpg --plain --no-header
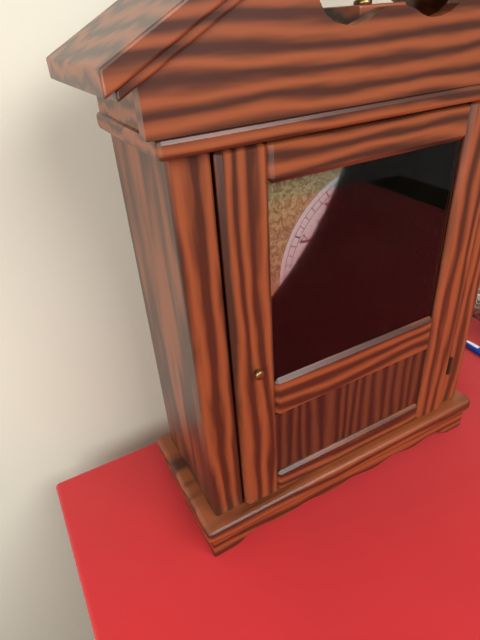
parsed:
1:43
